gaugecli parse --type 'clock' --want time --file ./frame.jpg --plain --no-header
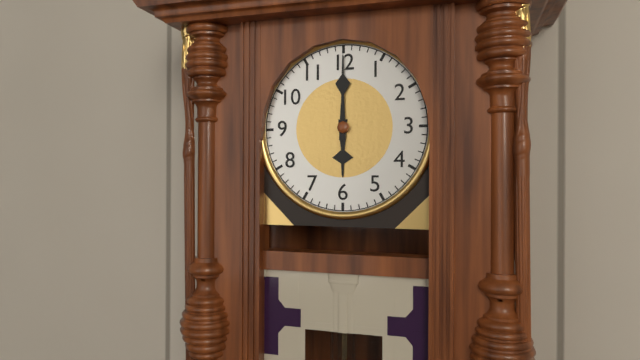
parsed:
6:00
